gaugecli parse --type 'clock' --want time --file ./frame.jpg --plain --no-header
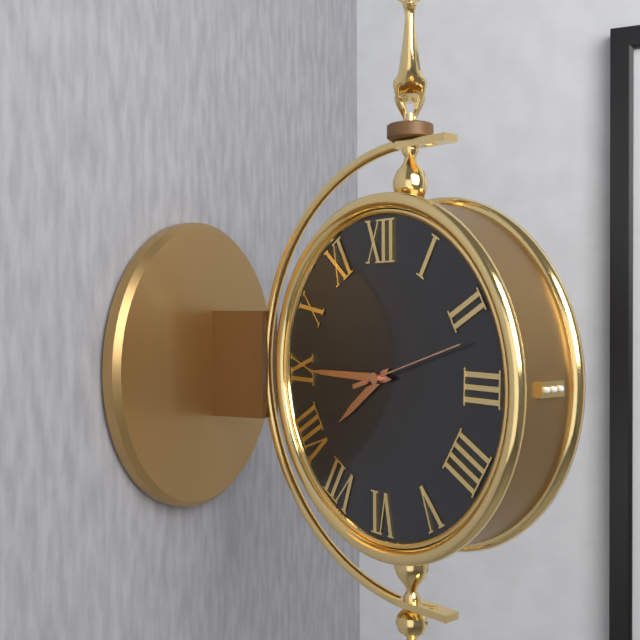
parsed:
7:45:12
